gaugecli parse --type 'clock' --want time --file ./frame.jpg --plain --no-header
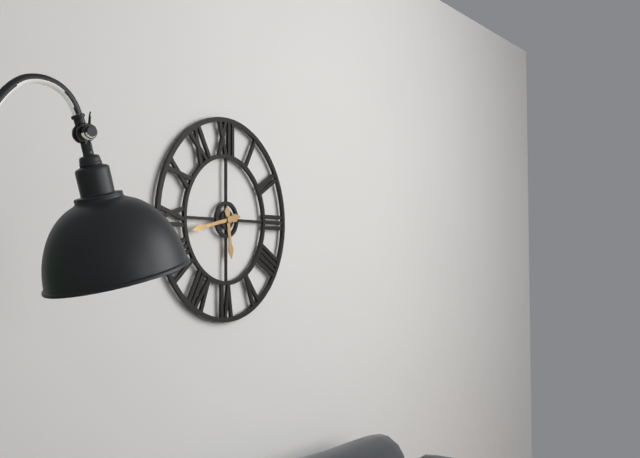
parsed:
5:43
